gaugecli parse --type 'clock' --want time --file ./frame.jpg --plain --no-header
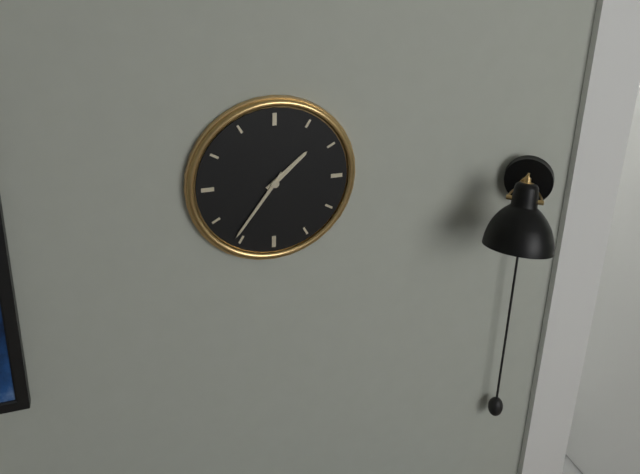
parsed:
1:36
